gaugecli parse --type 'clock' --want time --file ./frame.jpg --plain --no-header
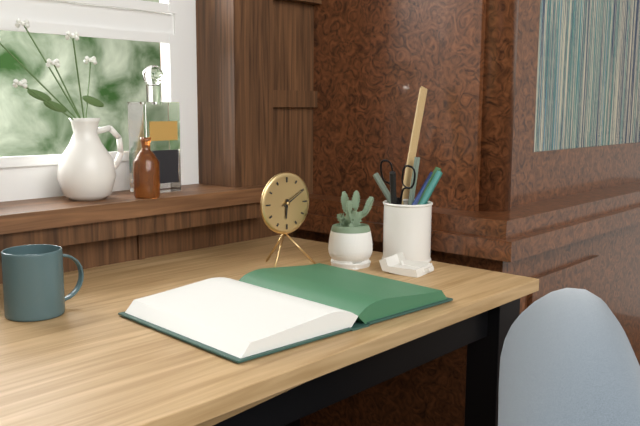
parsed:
6:10
